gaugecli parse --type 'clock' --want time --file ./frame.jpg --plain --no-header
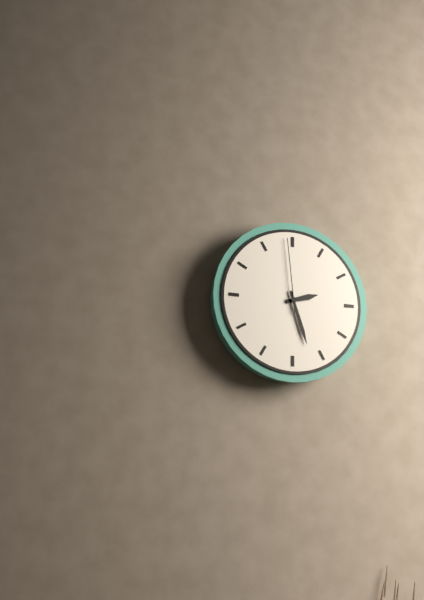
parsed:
2:27:59
